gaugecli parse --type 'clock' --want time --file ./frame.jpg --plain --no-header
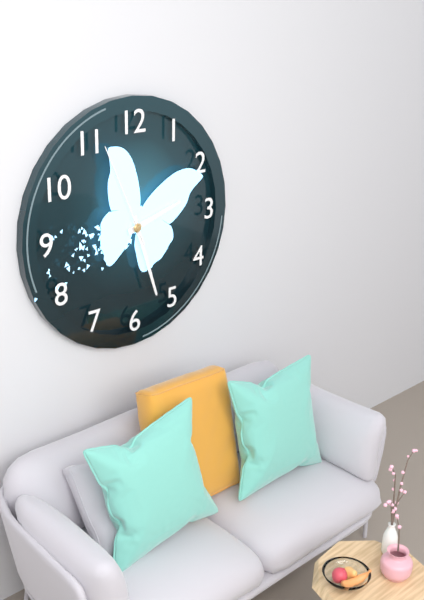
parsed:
2:27:56
